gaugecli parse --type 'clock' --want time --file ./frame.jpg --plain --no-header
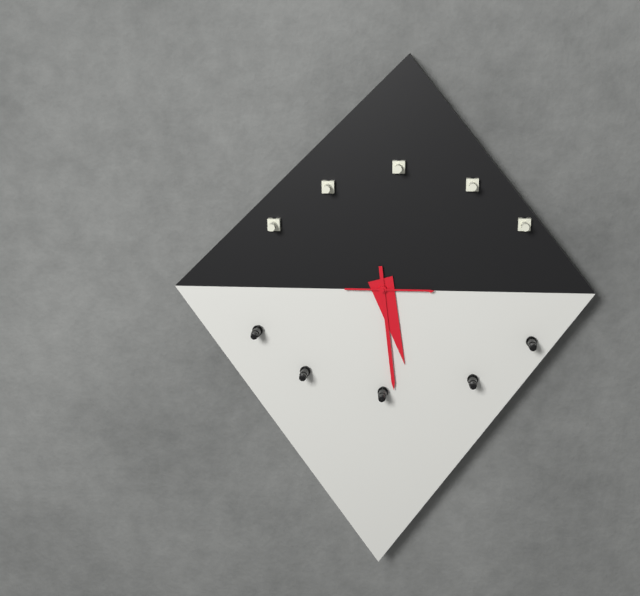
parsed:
5:29:15
